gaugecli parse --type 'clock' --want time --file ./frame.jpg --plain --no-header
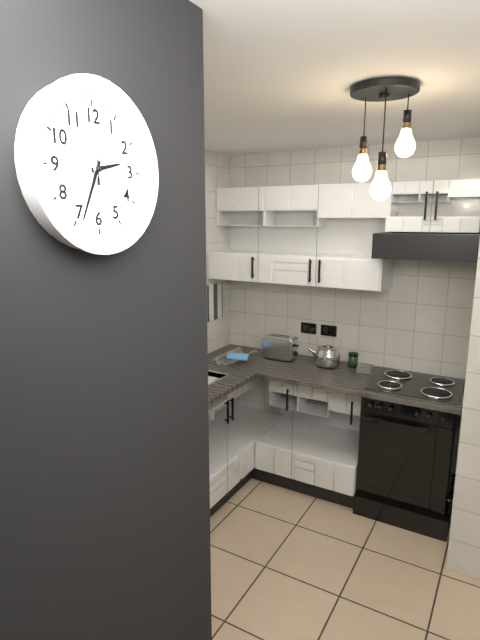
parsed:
2:34:00
